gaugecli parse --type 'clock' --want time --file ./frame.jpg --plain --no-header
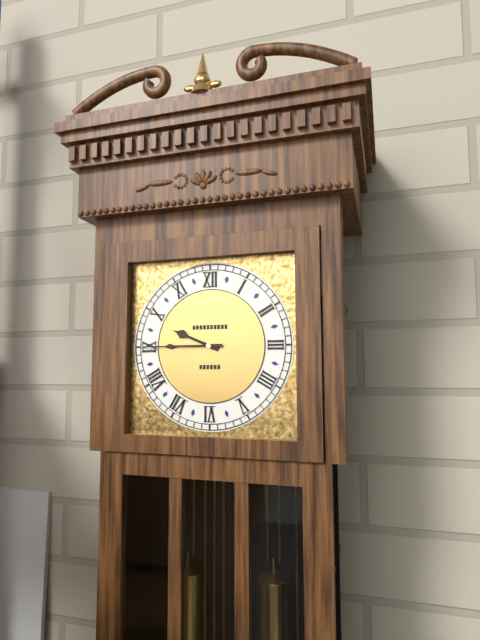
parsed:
9:45
